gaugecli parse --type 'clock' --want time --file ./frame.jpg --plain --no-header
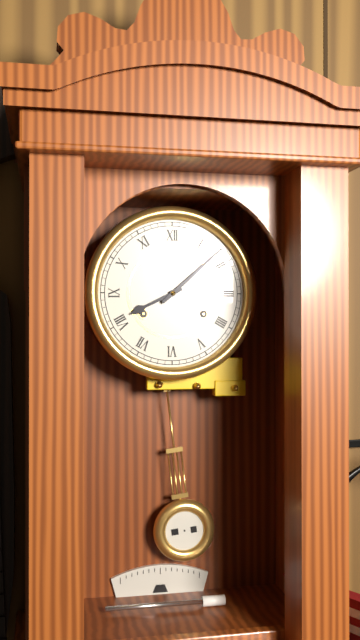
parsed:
8:08
